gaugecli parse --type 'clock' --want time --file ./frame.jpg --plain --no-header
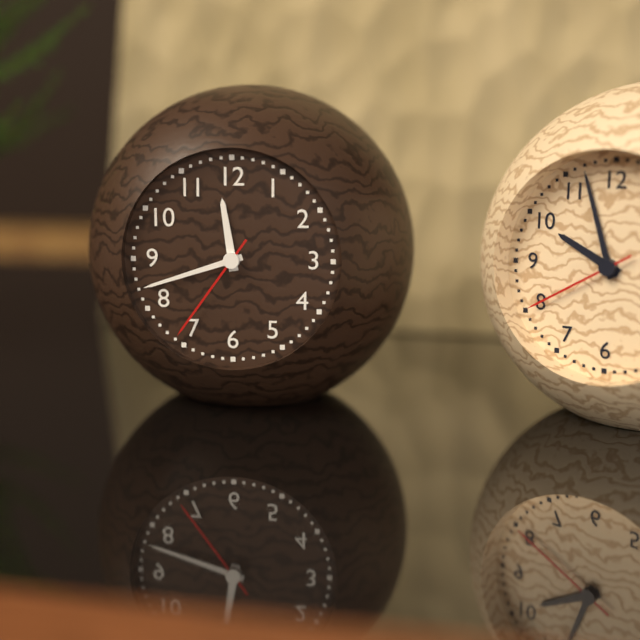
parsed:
11:42:36
